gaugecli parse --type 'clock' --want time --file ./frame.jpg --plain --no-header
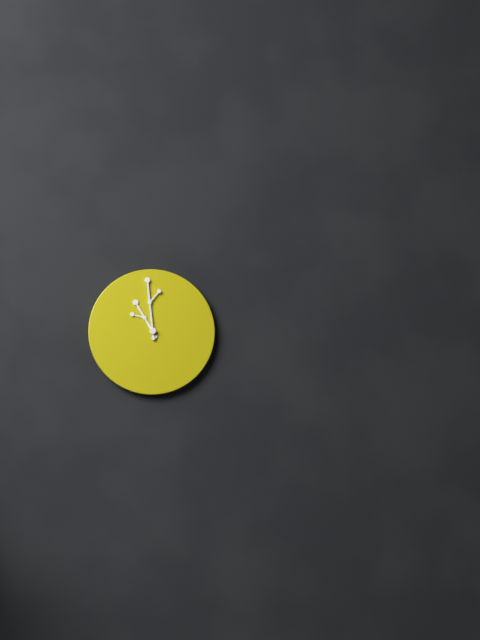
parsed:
10:59
